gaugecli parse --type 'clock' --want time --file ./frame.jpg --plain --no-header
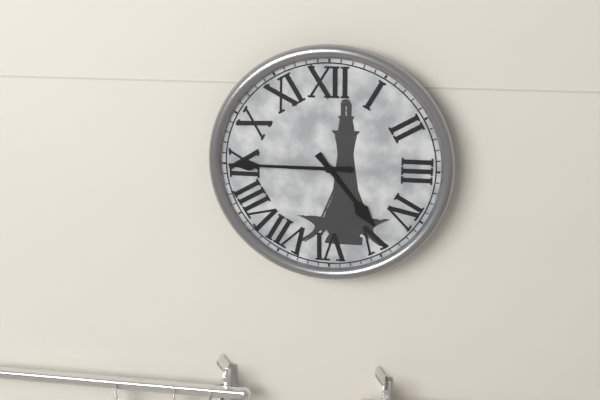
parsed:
4:45
